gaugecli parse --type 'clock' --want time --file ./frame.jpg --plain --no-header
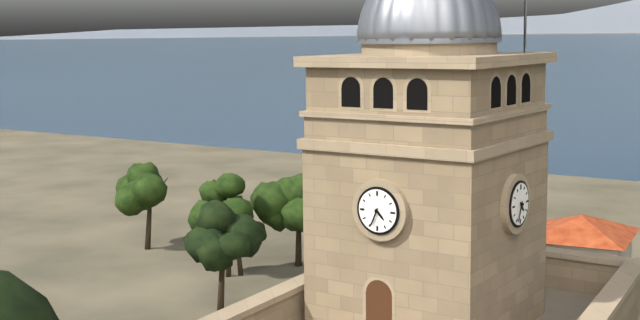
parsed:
4:34
